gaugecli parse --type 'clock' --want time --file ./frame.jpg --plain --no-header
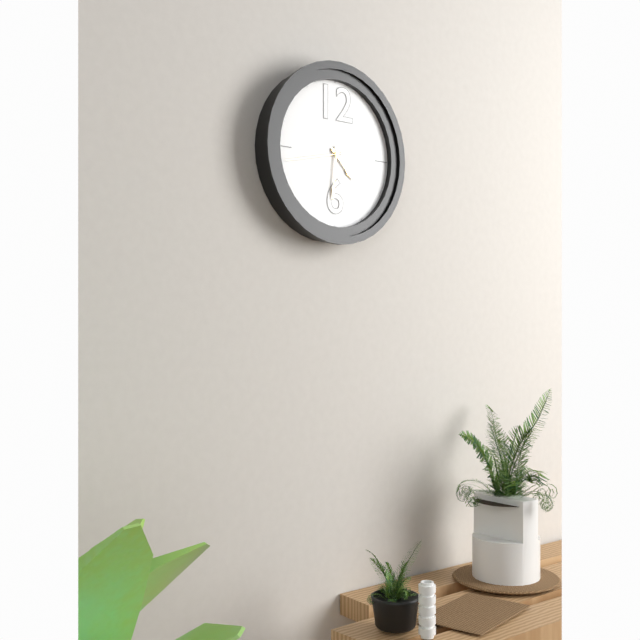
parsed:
4:31:43
